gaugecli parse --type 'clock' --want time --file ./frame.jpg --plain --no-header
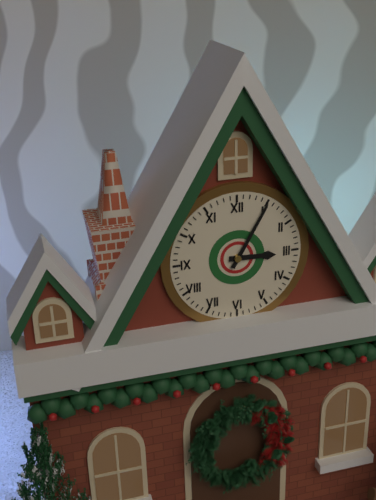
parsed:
3:05
